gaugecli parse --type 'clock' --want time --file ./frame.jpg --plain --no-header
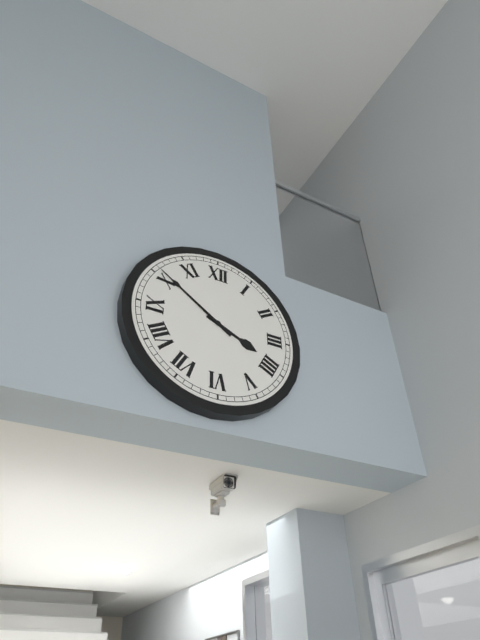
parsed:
3:51
